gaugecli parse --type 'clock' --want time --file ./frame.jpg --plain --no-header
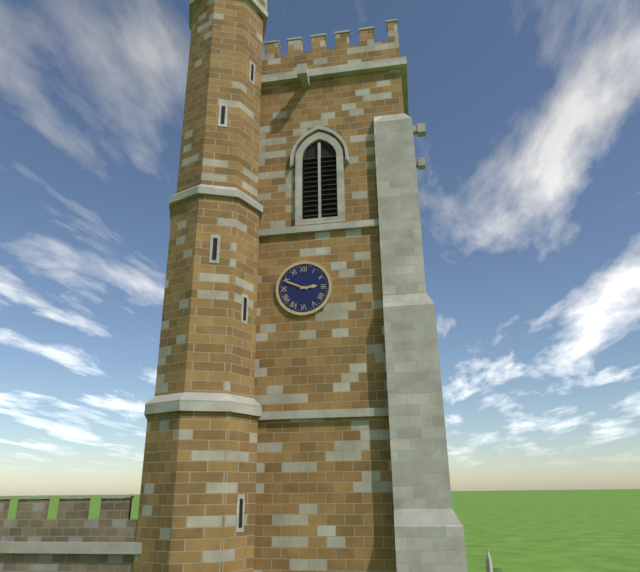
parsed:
2:49
